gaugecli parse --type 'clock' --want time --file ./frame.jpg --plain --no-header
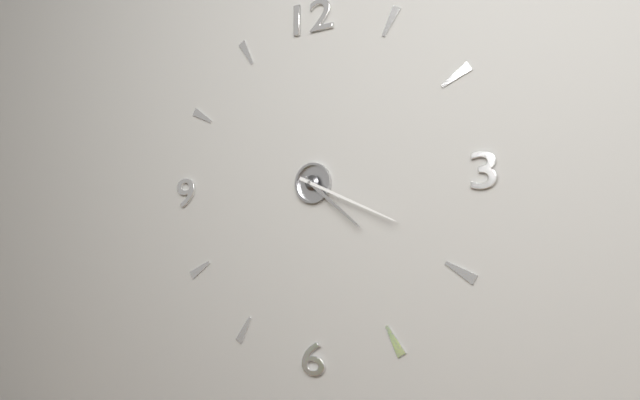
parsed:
4:19
